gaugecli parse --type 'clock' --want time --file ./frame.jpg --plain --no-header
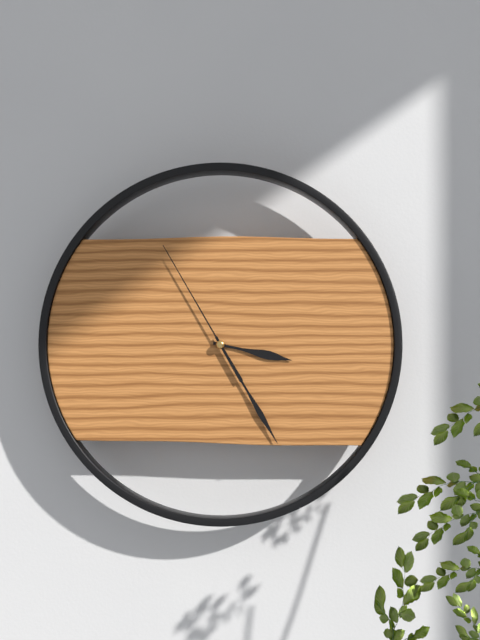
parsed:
3:25:55
